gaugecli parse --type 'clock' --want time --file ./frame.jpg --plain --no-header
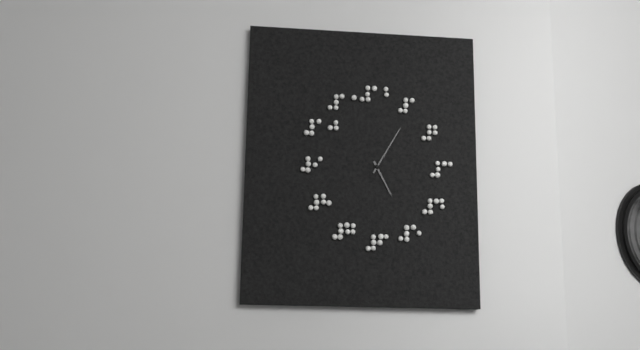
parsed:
5:05
